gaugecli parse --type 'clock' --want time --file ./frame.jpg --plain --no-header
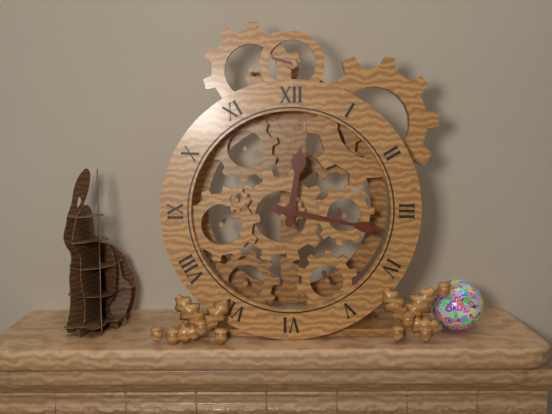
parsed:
12:17
